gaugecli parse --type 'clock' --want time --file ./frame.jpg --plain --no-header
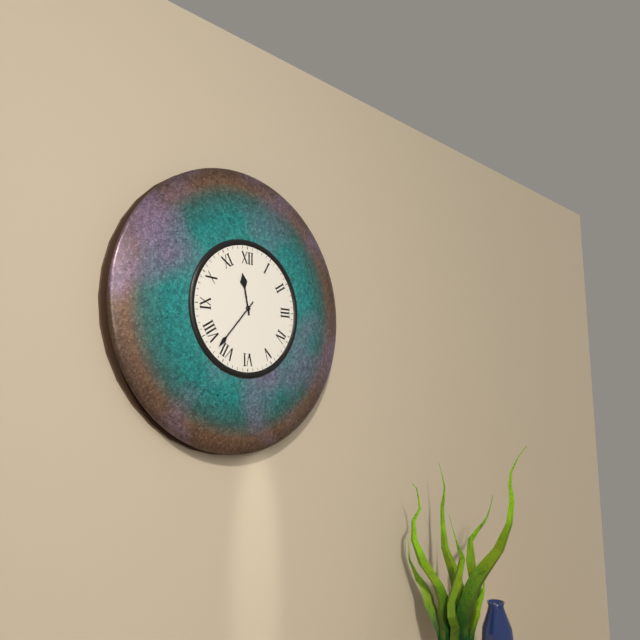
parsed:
11:37
